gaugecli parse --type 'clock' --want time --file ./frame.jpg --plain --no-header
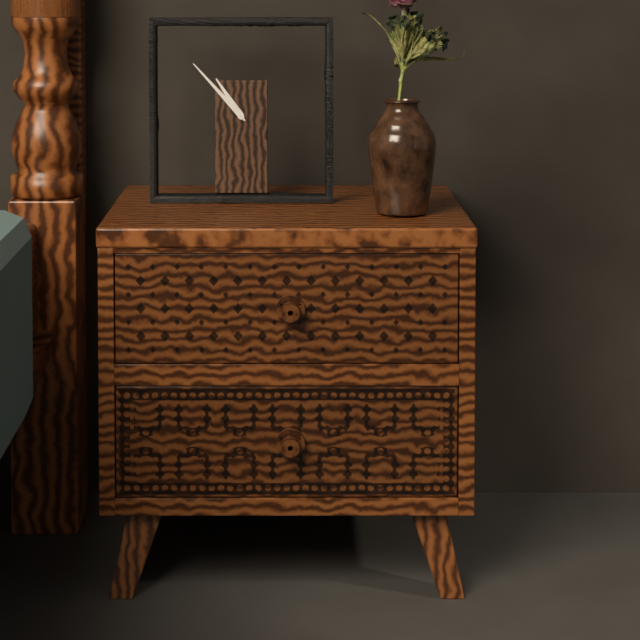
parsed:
10:53
